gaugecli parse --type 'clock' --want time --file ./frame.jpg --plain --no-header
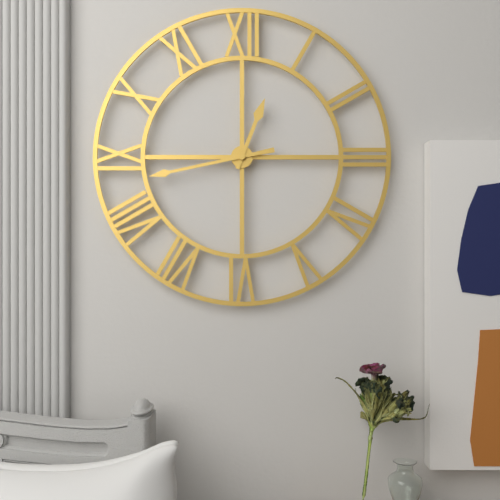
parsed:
12:43
